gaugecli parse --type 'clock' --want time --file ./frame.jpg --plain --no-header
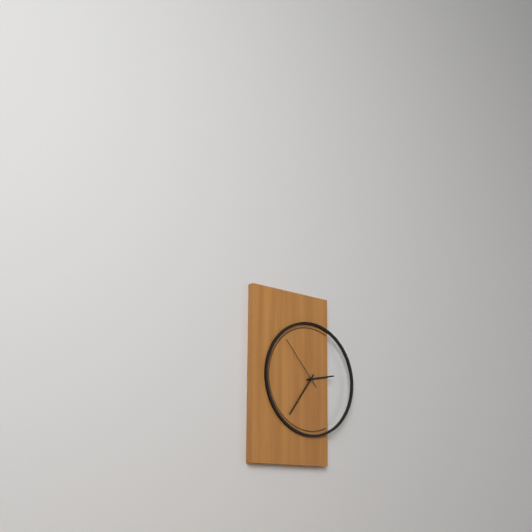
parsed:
2:36:53
